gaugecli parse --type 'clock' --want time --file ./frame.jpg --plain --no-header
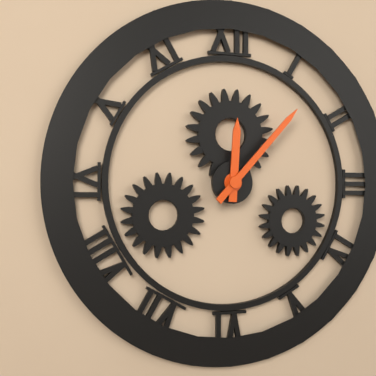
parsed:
12:07
